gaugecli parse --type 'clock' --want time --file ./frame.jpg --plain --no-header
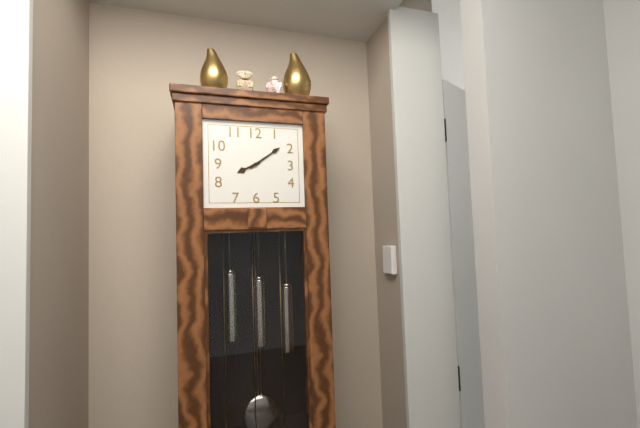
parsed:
8:09
